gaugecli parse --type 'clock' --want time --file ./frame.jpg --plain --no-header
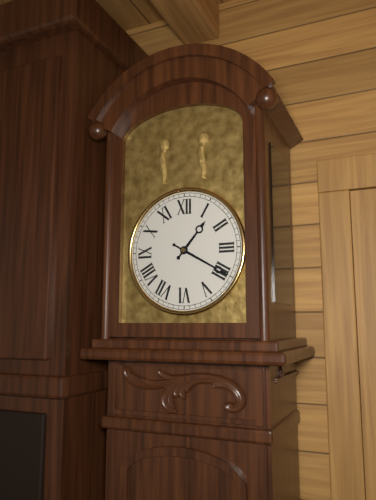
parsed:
1:20
